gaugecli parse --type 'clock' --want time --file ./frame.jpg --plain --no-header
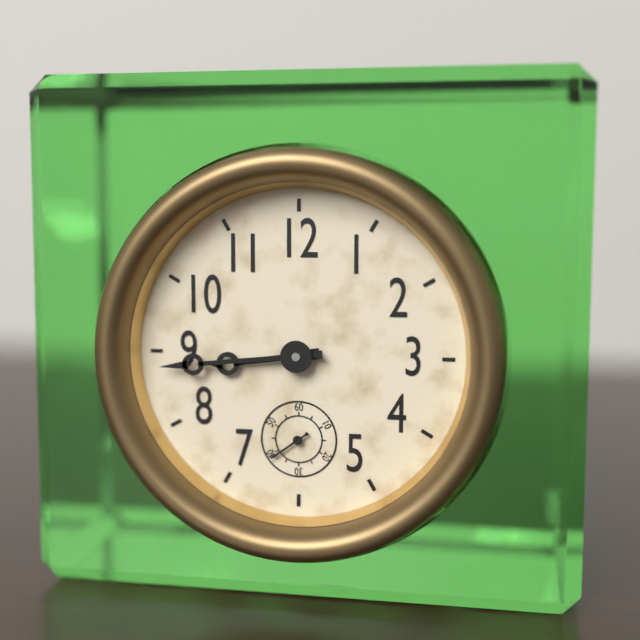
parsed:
8:44
